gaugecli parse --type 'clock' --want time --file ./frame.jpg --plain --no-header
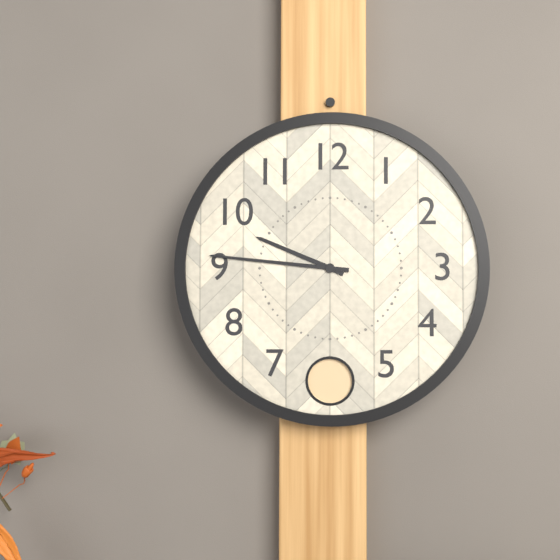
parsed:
9:46
